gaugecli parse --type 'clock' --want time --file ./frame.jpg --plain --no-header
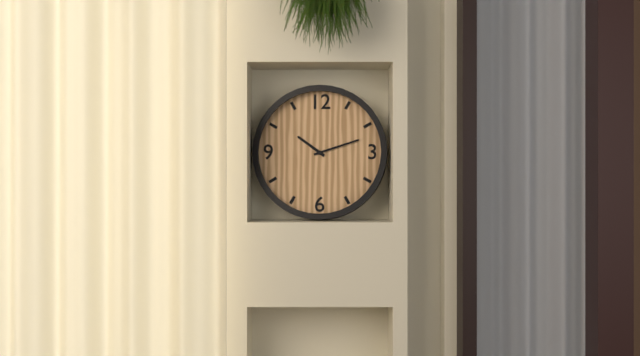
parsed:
10:12
